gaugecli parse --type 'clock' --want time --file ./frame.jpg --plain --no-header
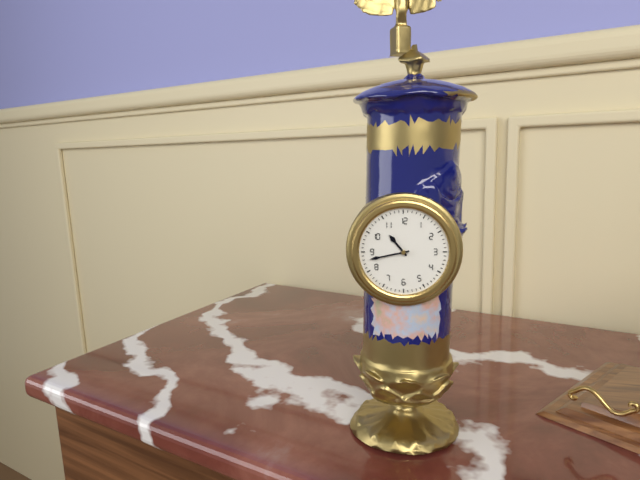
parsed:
10:43
